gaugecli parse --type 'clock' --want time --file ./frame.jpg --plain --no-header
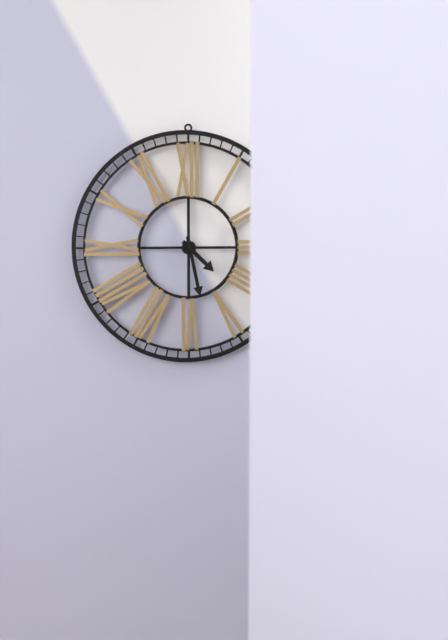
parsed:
4:28
